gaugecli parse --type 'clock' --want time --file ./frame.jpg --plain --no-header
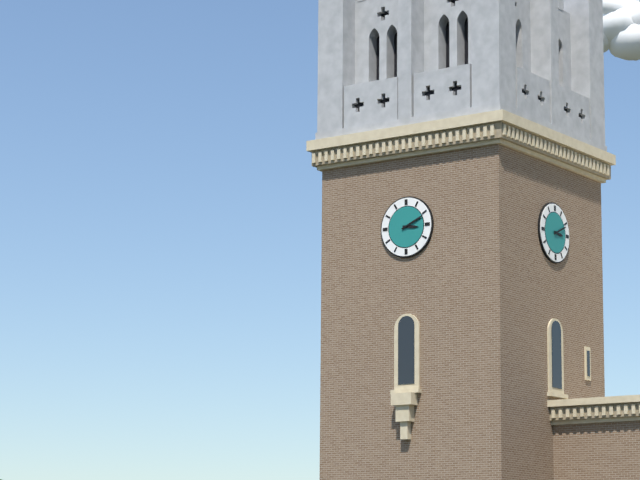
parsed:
3:11
